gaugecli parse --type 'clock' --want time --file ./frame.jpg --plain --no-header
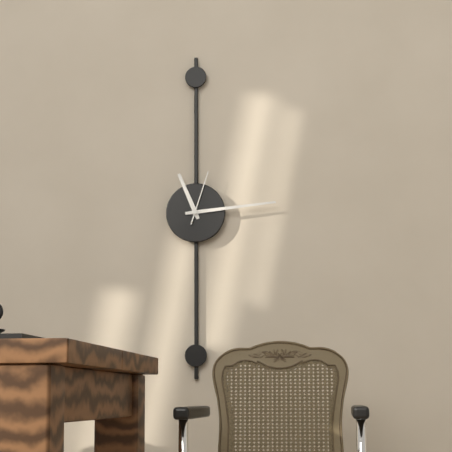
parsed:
11:14:03
